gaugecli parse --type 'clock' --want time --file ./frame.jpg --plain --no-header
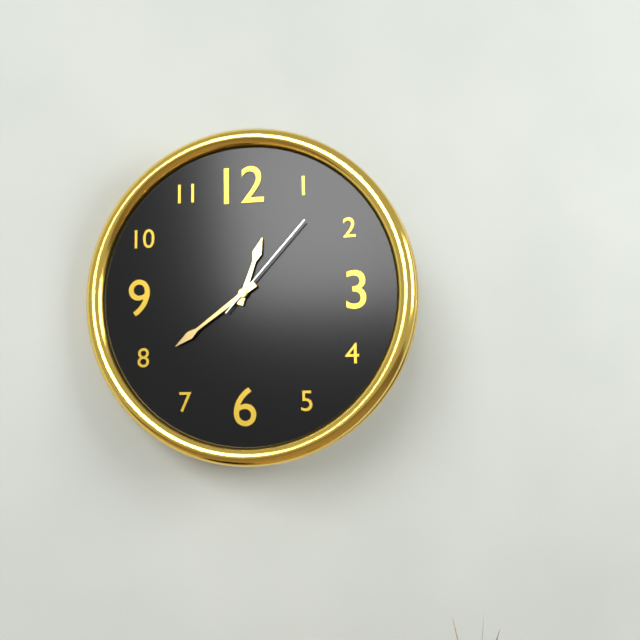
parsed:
12:39:07
